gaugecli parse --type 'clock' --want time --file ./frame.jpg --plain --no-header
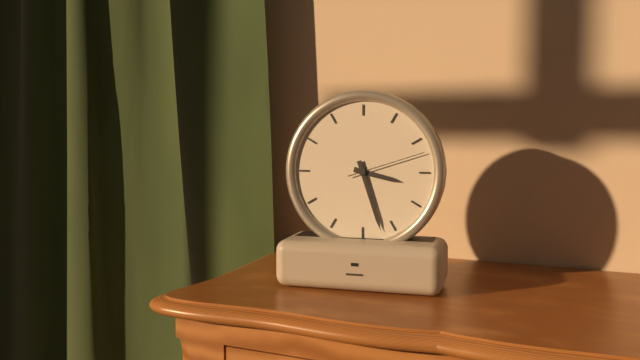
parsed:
3:27:12
